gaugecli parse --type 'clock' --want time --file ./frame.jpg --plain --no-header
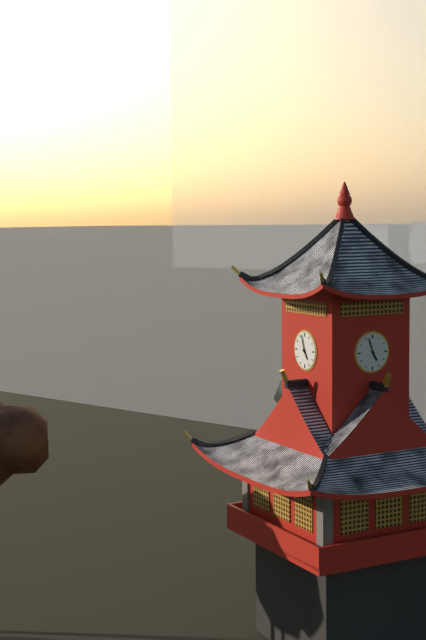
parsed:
4:57
